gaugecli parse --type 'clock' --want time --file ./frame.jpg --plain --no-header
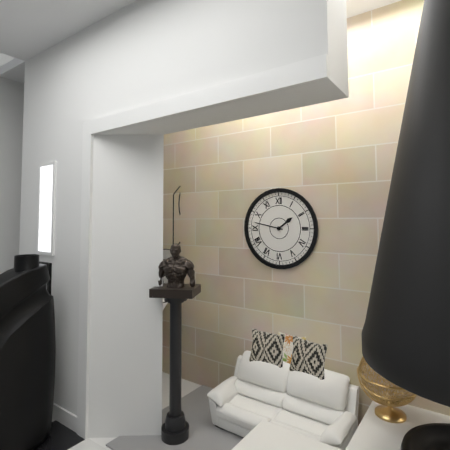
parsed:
1:47
